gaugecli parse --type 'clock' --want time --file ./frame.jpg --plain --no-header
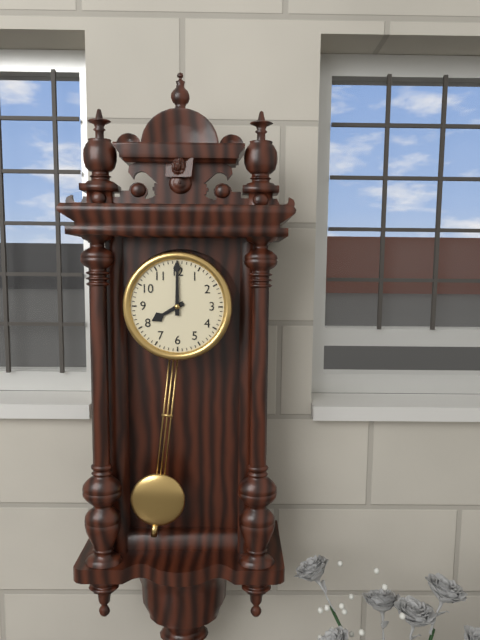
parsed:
8:00
